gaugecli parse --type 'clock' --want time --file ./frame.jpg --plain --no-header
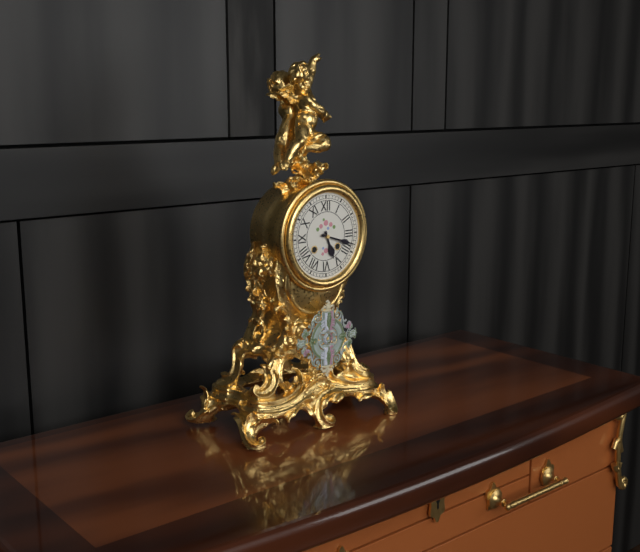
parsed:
5:18
